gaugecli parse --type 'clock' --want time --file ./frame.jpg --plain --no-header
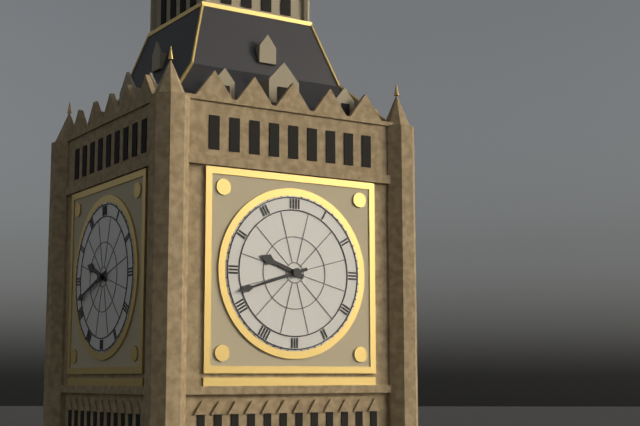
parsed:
9:42
